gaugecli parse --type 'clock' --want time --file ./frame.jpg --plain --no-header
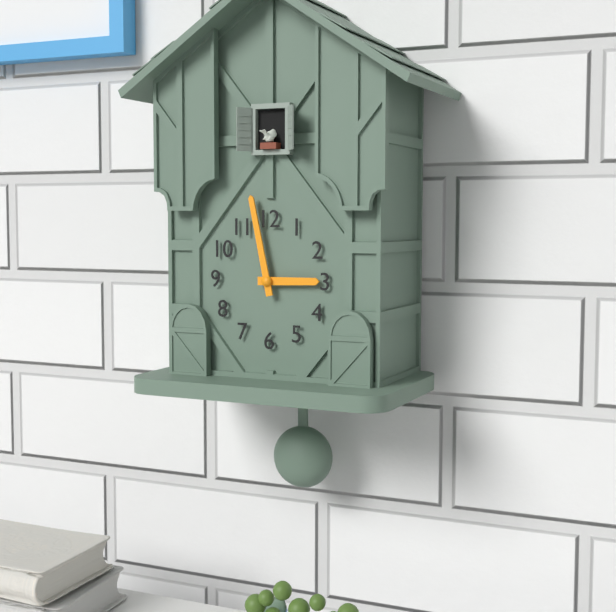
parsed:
2:58
